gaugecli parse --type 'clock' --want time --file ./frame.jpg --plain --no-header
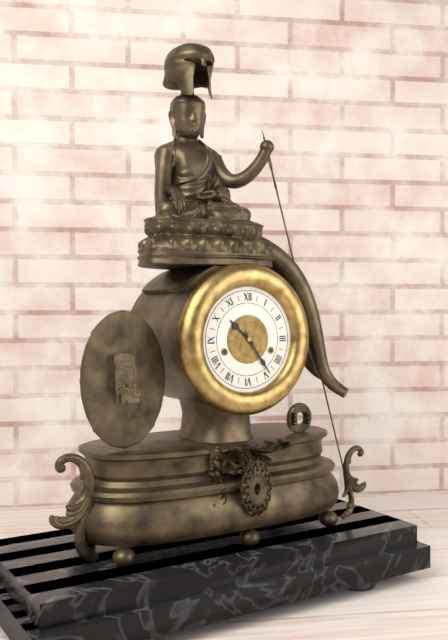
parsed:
10:24
